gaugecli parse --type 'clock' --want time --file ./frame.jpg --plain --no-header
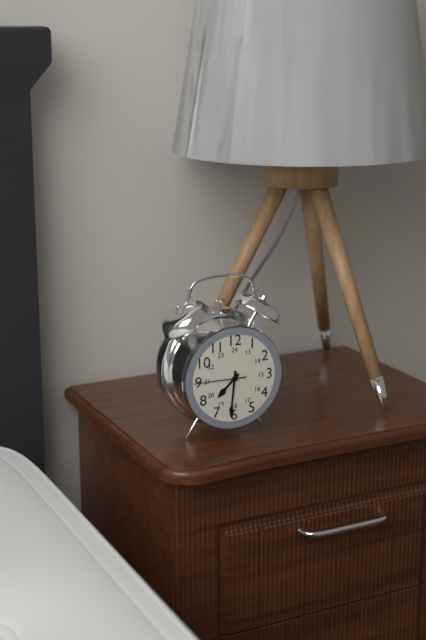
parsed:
7:31:45
